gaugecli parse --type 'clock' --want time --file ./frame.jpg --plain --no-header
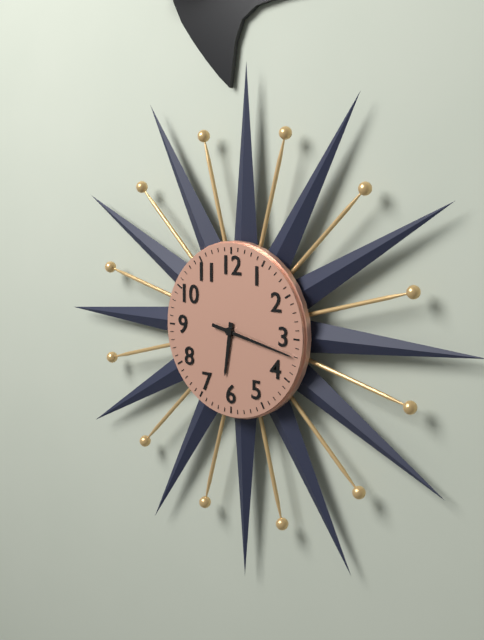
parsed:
6:17
